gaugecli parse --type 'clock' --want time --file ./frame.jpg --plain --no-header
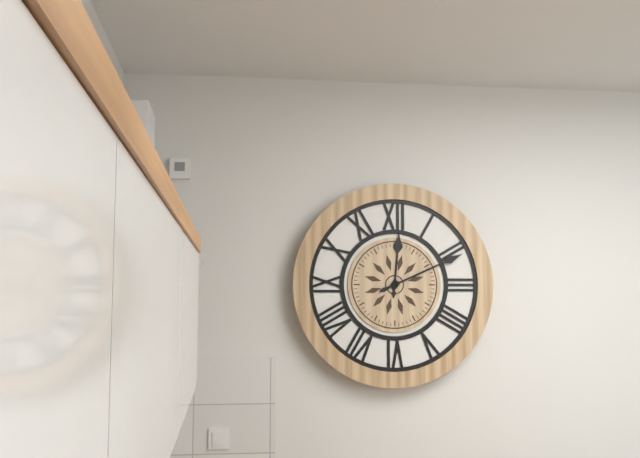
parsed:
12:11
